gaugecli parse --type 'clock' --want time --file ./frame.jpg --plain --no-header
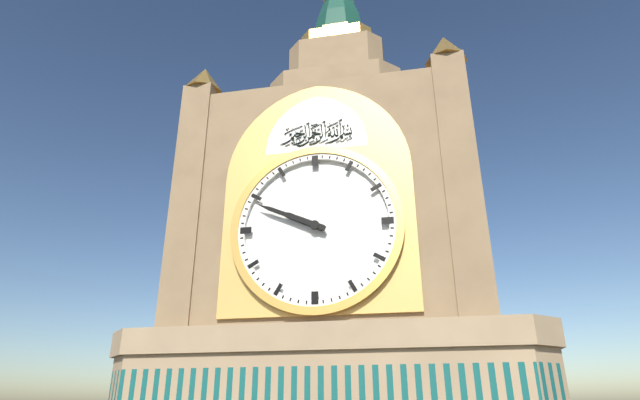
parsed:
9:49
